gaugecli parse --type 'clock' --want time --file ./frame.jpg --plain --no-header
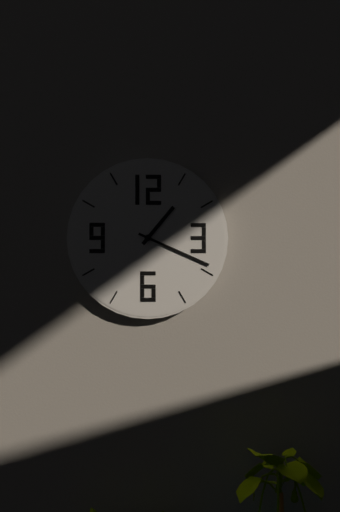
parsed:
1:19
